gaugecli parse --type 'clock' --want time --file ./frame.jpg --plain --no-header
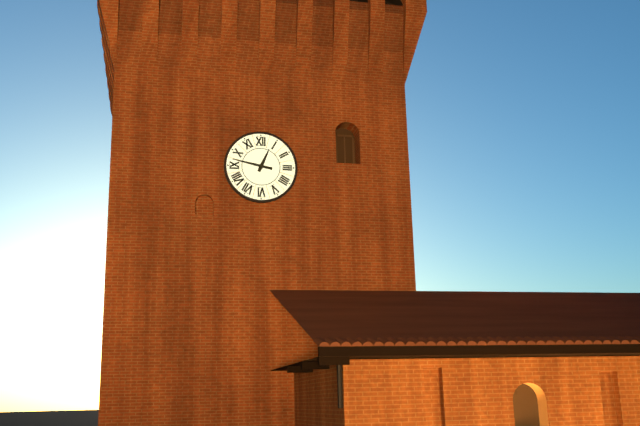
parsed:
12:47
